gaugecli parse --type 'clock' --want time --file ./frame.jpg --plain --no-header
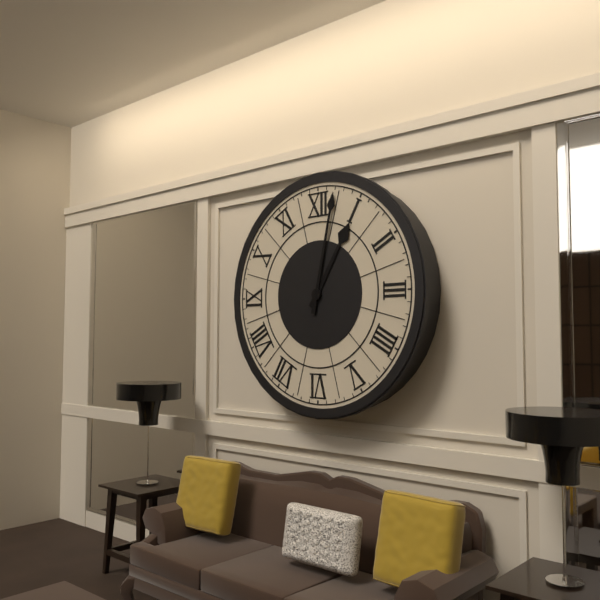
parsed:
1:02
